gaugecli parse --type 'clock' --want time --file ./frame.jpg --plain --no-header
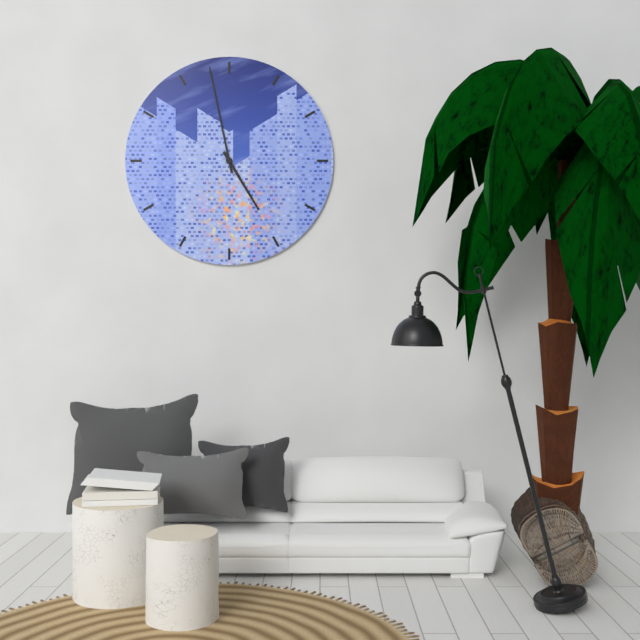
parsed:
4:58
